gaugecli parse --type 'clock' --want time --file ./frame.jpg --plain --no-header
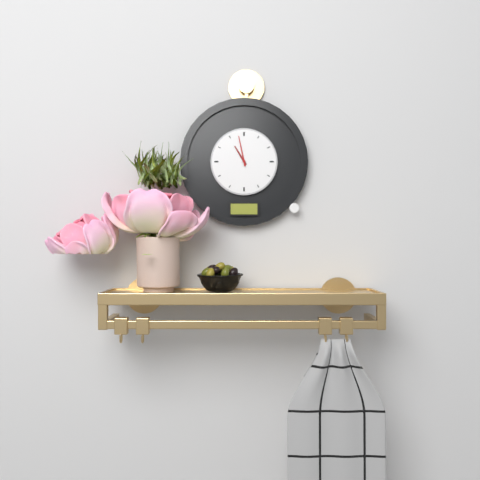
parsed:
10:58
